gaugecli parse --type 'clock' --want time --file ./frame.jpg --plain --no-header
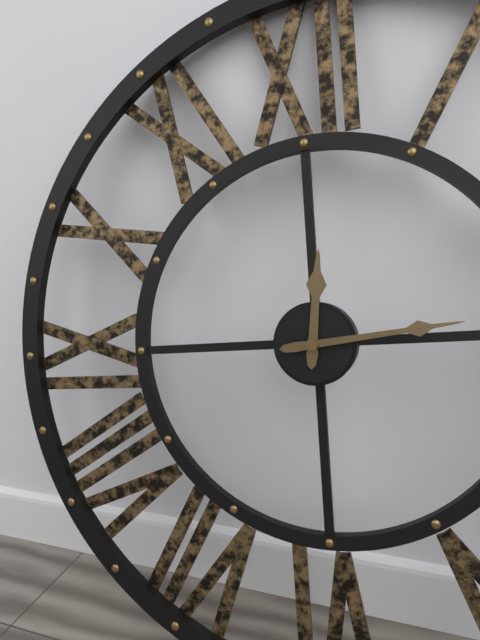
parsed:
12:14
